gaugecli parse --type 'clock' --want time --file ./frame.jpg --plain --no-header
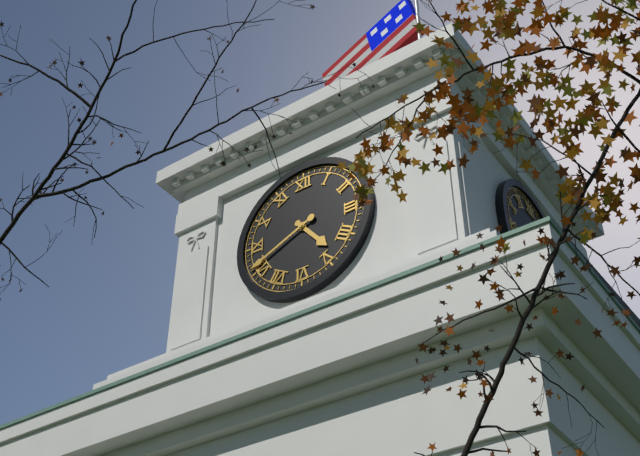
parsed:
4:41
